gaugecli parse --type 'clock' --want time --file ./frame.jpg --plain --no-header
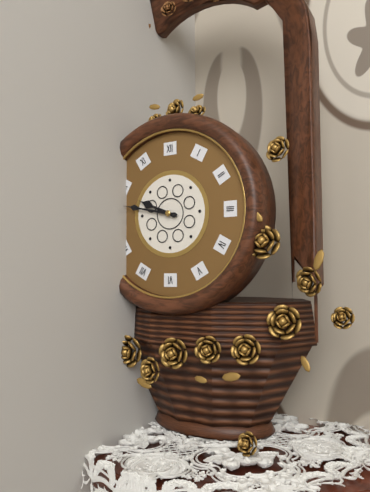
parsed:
9:47
